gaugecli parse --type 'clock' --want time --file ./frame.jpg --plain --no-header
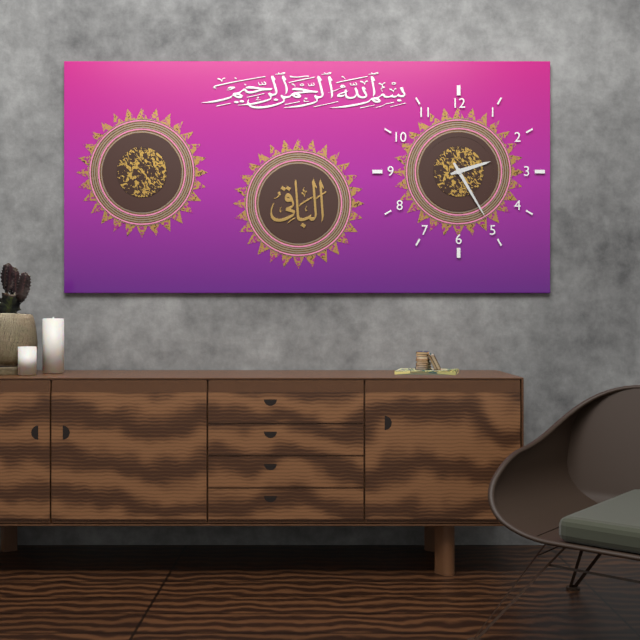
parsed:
2:25
